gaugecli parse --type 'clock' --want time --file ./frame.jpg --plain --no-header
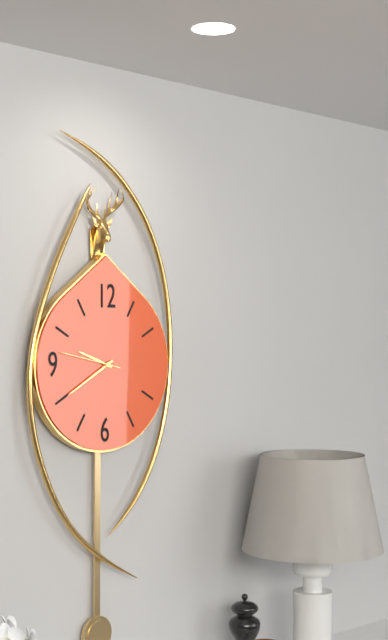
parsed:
9:40:47
